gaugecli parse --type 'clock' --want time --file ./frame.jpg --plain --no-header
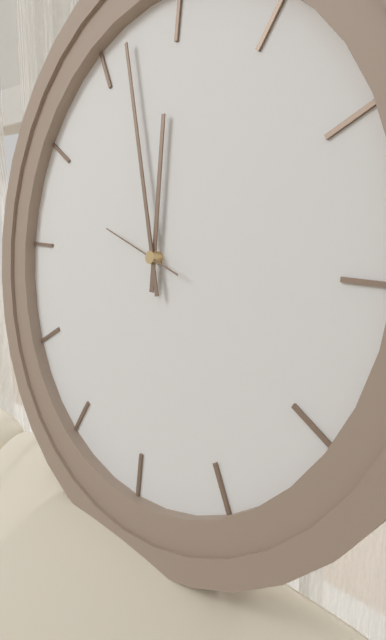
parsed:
11:57:48
